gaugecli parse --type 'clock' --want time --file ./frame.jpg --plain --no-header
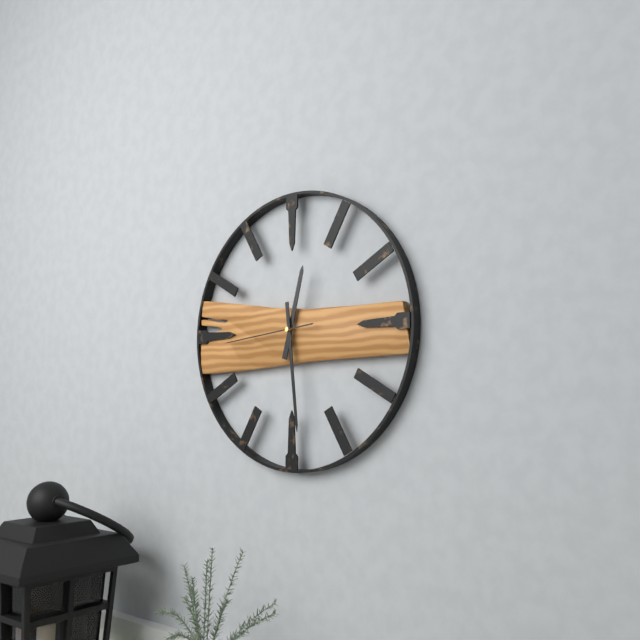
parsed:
12:29:44
